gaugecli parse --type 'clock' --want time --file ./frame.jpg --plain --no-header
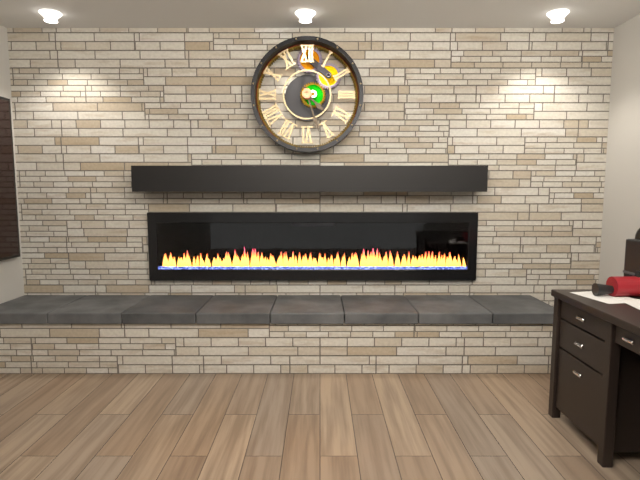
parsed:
4:27
